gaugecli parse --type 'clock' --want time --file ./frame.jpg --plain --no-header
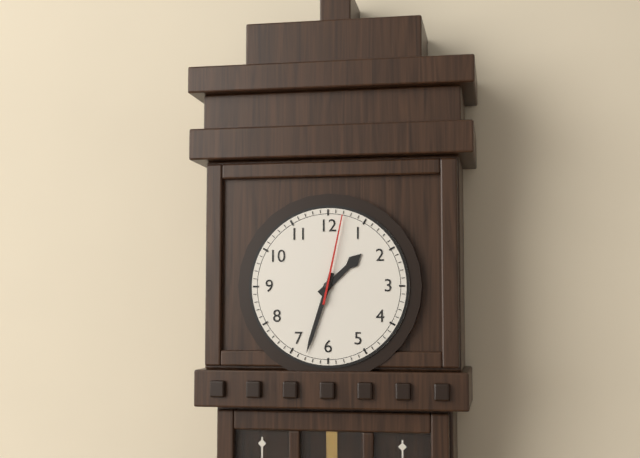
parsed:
1:33:02
